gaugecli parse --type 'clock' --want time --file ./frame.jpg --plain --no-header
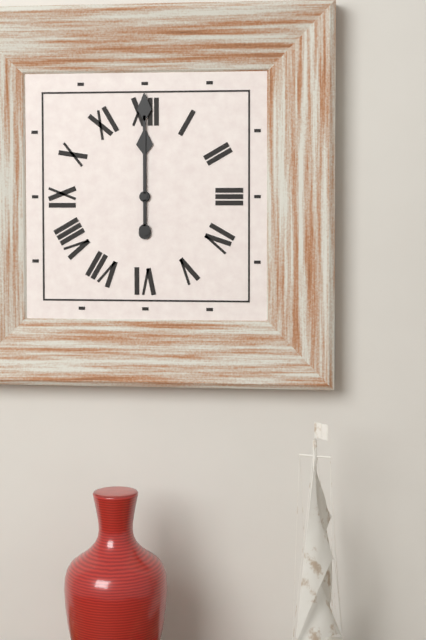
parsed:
12:00
